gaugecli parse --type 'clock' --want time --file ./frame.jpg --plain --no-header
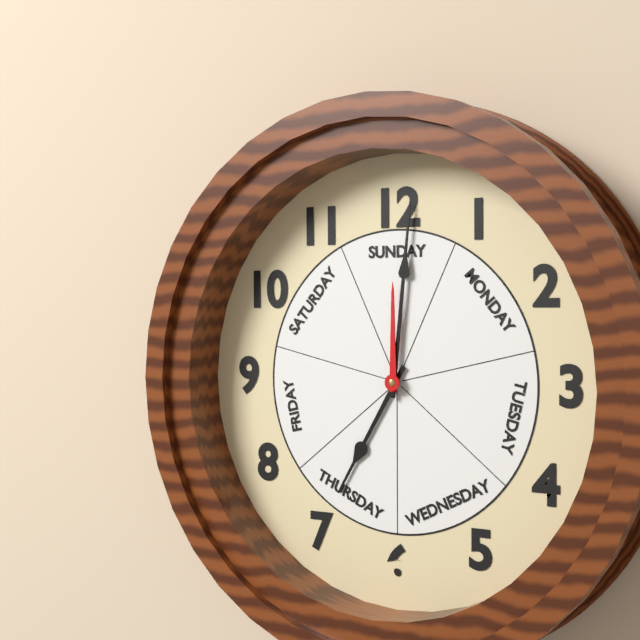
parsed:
7:01:00
